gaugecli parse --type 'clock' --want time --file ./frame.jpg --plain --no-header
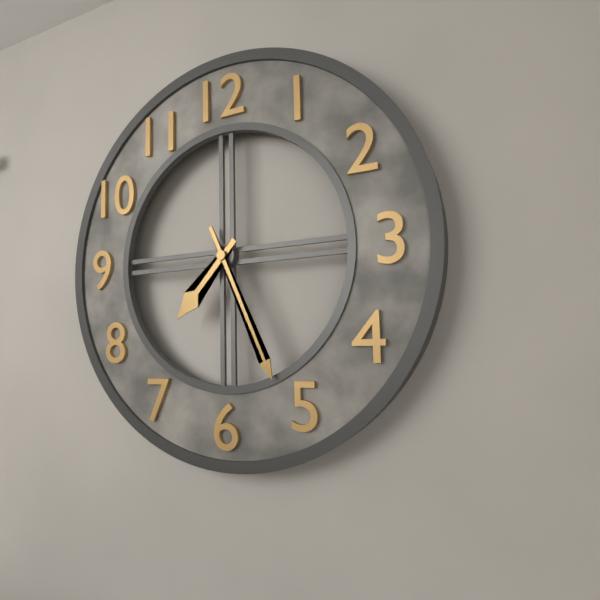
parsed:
7:26
